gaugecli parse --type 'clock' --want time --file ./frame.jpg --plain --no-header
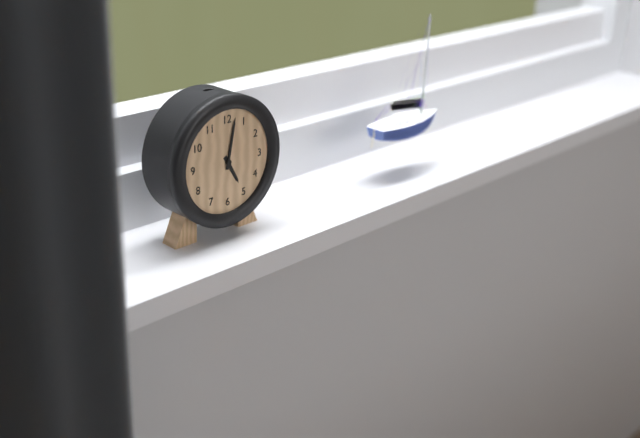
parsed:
5:02
